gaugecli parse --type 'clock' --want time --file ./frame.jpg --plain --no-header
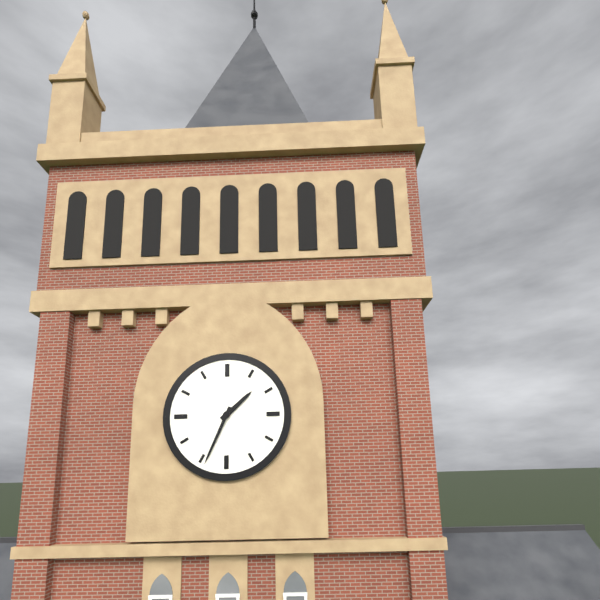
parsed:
1:34
